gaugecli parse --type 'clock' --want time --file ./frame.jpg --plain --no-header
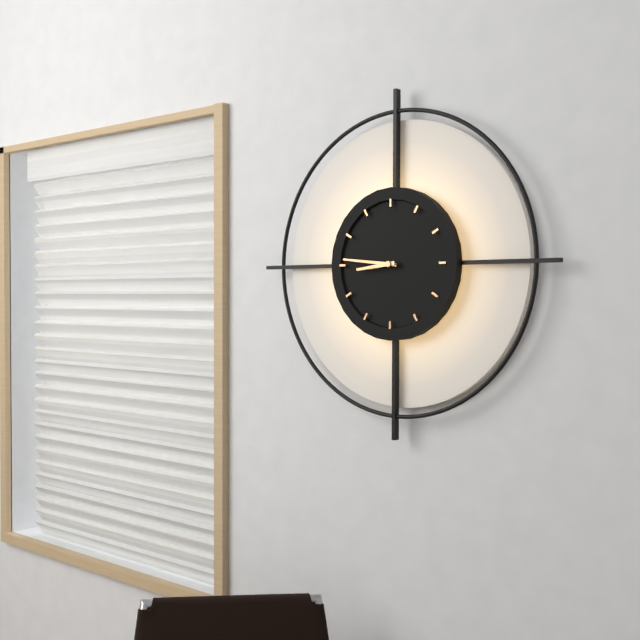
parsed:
8:46
